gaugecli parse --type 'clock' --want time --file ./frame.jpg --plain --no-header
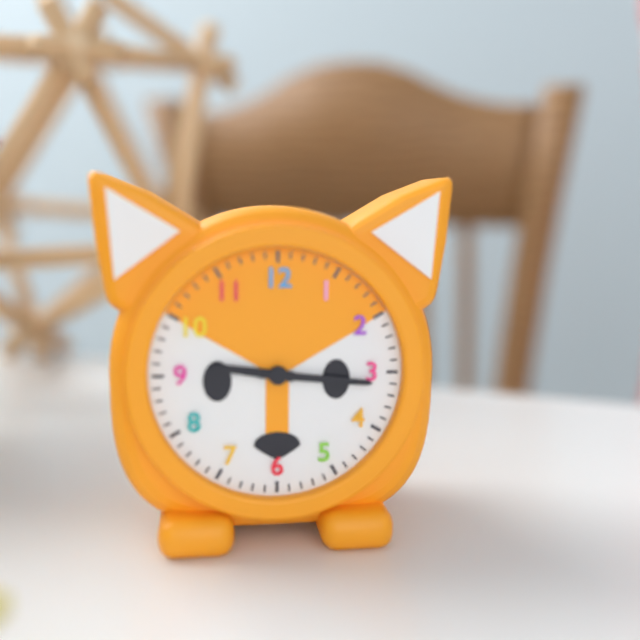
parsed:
9:16
